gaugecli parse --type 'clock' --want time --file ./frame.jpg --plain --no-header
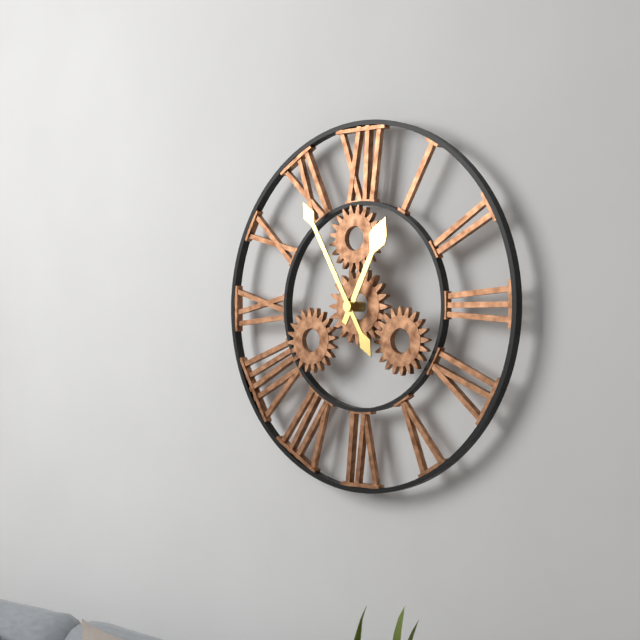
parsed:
12:55
